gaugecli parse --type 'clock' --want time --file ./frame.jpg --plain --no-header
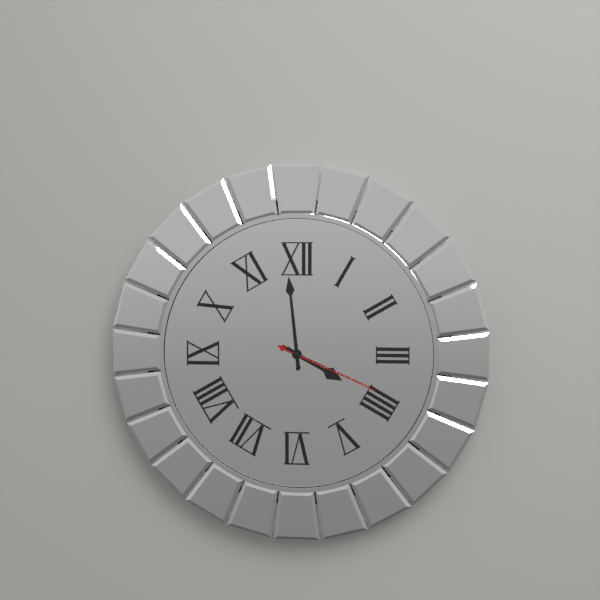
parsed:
3:59:19
